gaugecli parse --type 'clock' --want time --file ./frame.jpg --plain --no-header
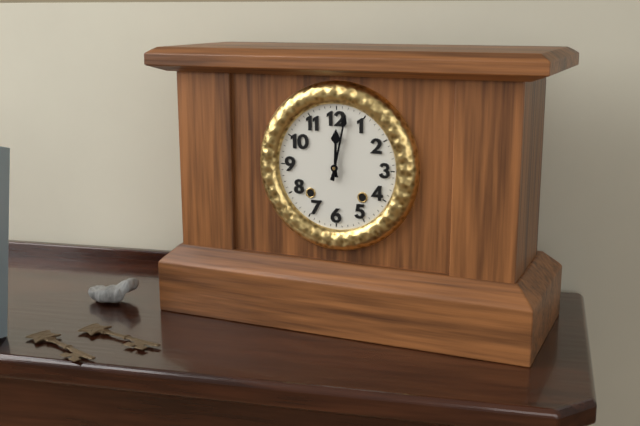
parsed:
12:02
